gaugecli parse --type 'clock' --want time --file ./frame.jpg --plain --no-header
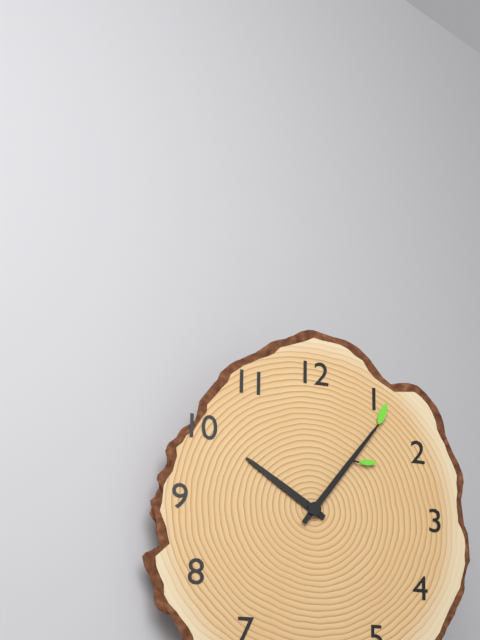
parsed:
10:06
